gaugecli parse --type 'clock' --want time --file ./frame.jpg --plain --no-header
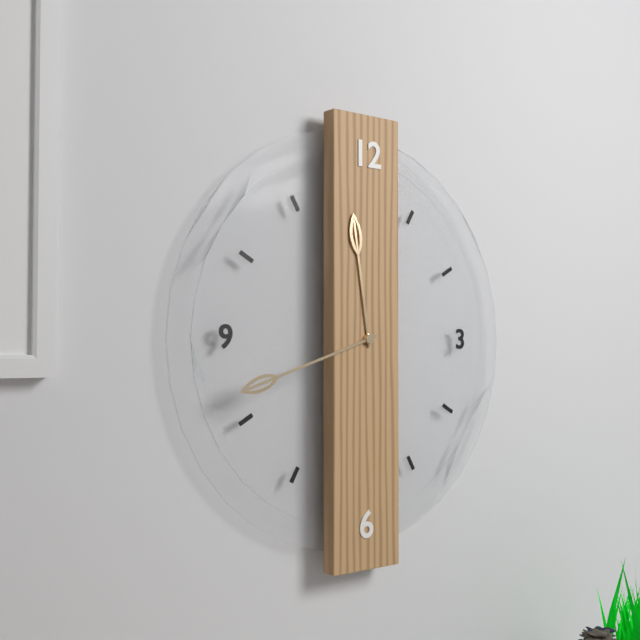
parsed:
11:42
